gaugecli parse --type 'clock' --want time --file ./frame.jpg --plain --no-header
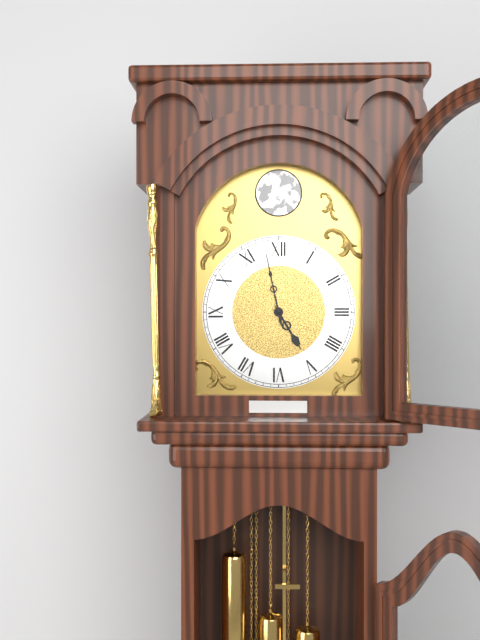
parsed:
4:58
